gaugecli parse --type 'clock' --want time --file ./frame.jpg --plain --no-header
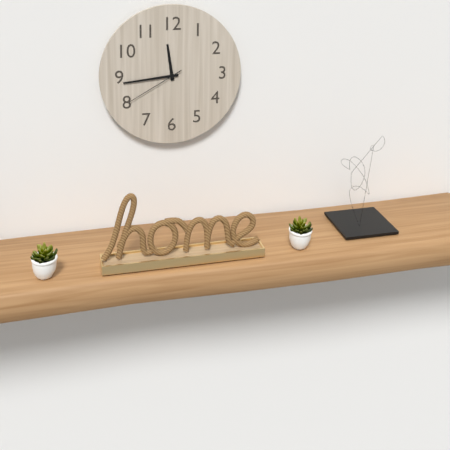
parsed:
11:44:40
